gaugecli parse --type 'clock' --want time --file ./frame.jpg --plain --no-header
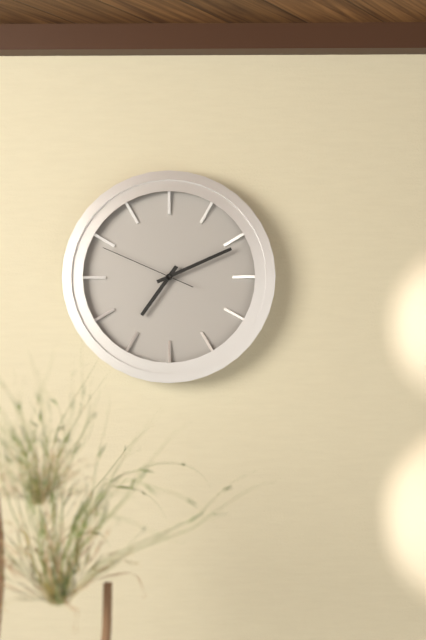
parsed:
7:11:49
